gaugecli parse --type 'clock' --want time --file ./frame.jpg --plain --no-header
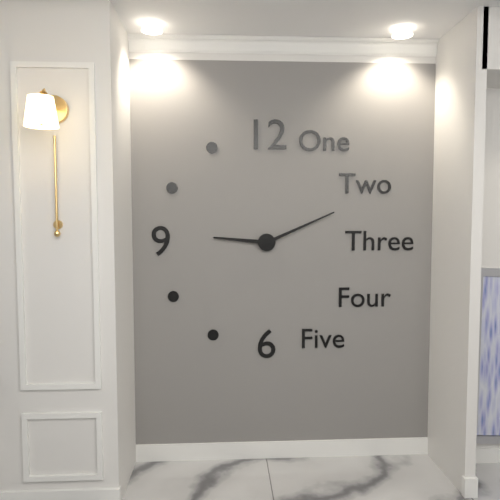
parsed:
9:11
